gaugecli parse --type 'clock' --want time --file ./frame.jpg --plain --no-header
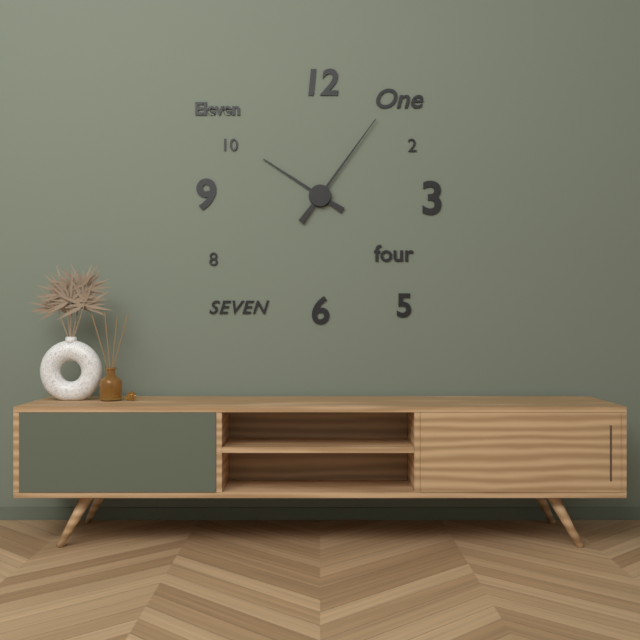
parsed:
10:06
